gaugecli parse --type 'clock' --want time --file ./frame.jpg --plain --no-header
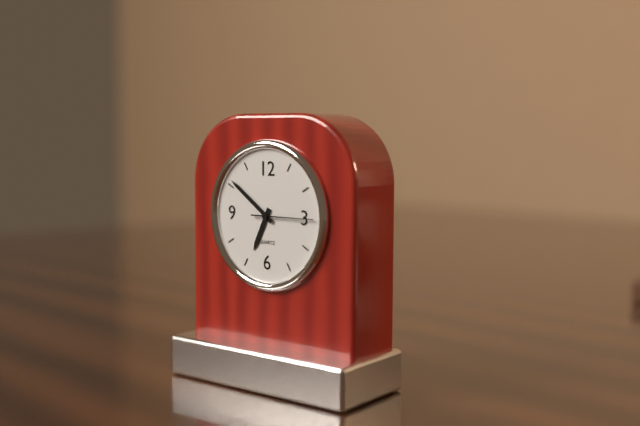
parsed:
6:51:15
